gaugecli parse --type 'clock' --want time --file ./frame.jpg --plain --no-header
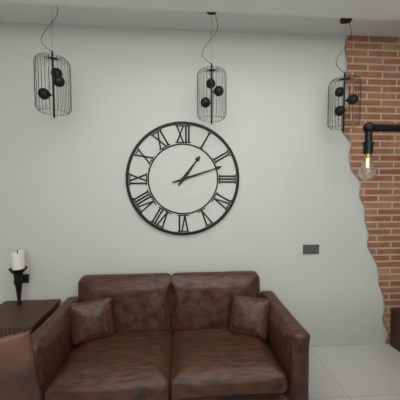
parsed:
1:12
